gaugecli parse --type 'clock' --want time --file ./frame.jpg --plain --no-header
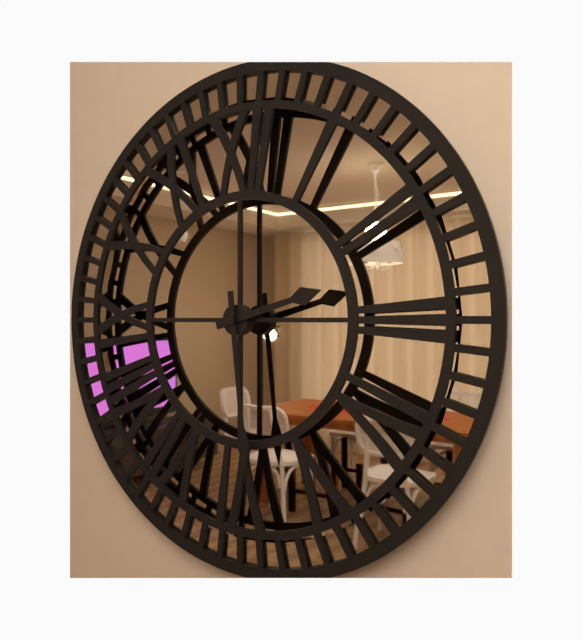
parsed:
2:29
